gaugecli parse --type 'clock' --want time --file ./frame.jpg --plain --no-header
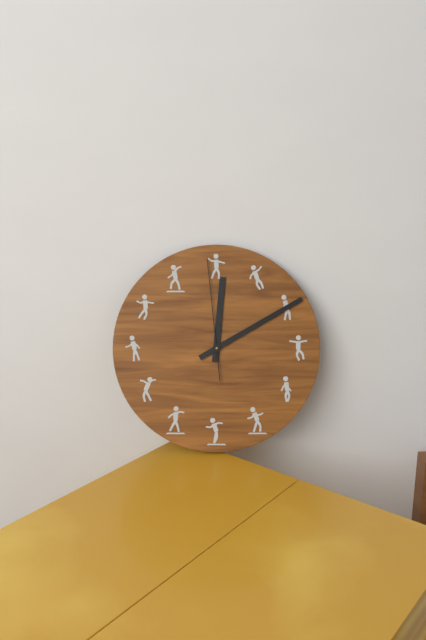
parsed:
12:10:59
